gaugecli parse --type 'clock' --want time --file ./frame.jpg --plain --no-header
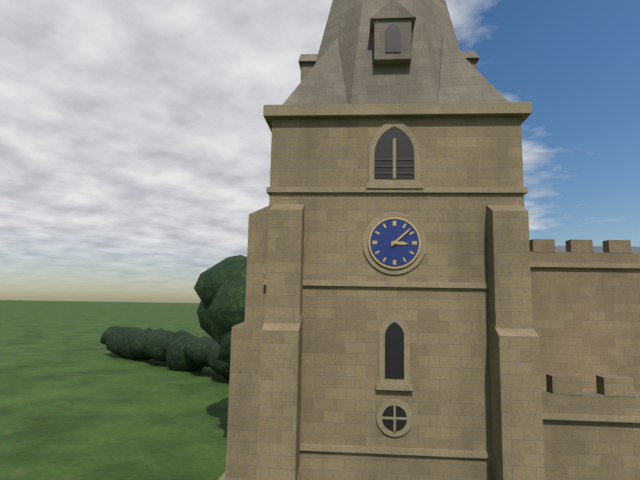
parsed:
3:08
